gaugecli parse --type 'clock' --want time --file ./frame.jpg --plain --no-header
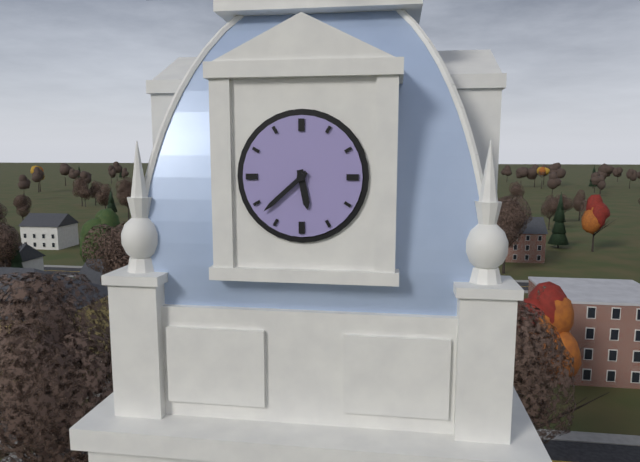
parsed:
5:38
